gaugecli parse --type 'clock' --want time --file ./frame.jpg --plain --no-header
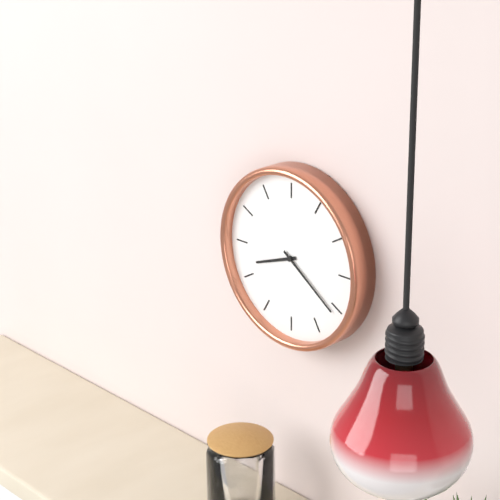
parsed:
8:21
